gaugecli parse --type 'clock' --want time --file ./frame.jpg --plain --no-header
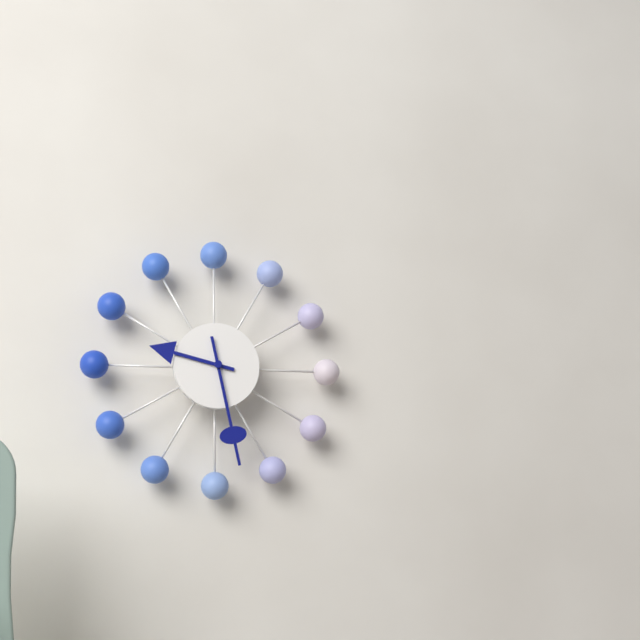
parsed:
9:28
